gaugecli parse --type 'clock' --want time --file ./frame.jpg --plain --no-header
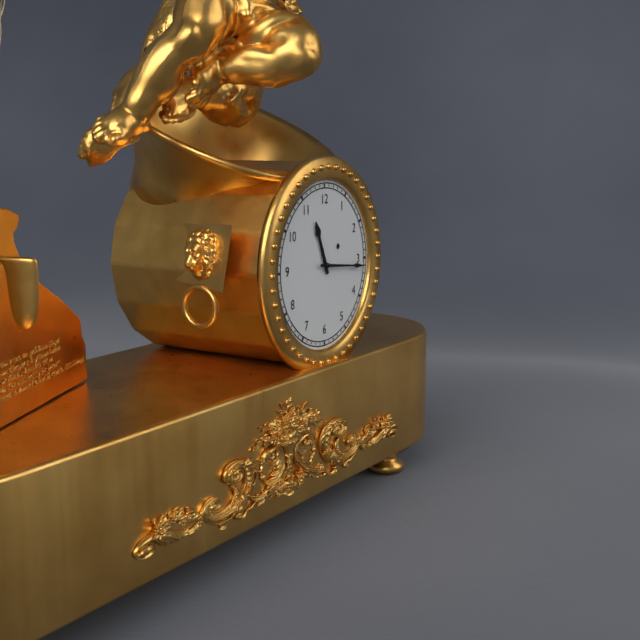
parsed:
11:16
